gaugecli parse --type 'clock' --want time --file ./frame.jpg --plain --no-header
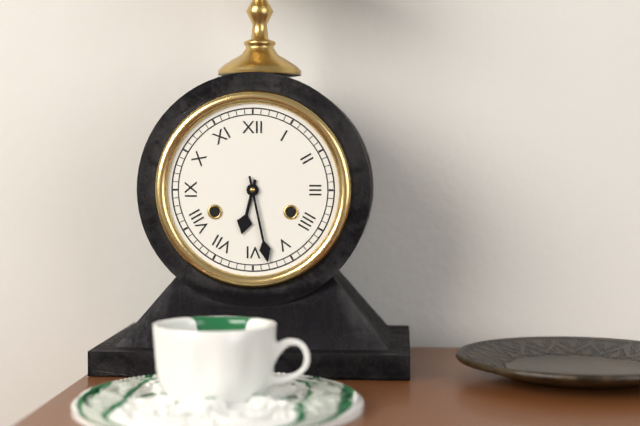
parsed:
6:28
